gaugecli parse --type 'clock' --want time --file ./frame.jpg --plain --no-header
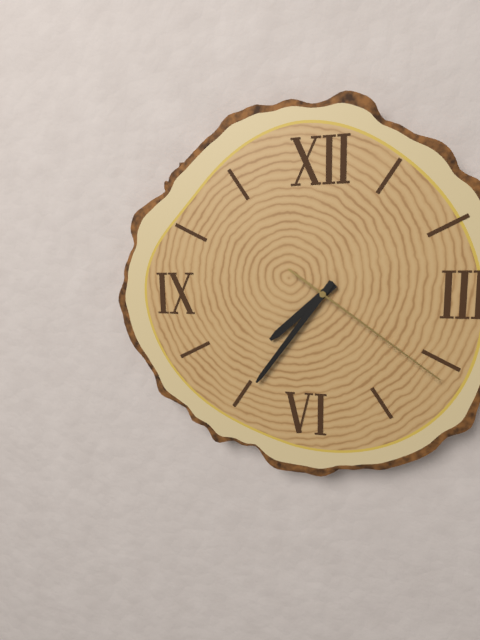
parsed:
7:36:21
